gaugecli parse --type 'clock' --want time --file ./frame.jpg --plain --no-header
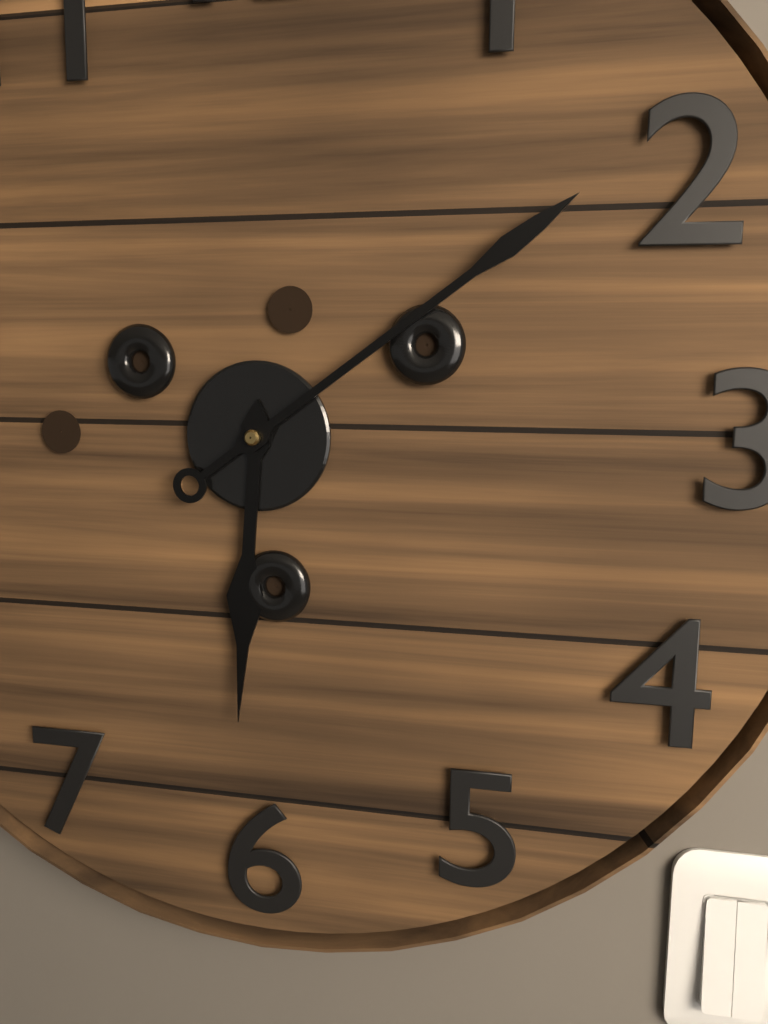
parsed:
6:09
